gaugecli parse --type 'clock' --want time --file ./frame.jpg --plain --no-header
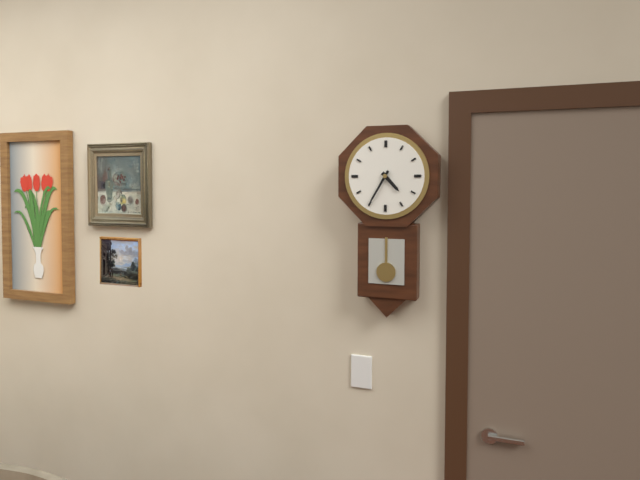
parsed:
4:35
